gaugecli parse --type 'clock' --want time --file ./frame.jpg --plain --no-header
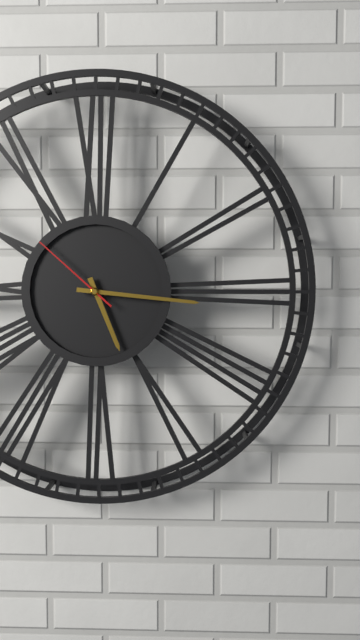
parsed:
5:16:52
